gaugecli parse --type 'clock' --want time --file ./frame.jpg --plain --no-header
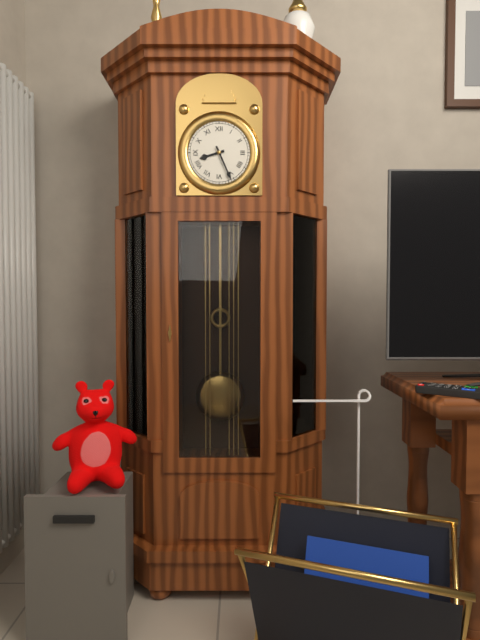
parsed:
8:26
